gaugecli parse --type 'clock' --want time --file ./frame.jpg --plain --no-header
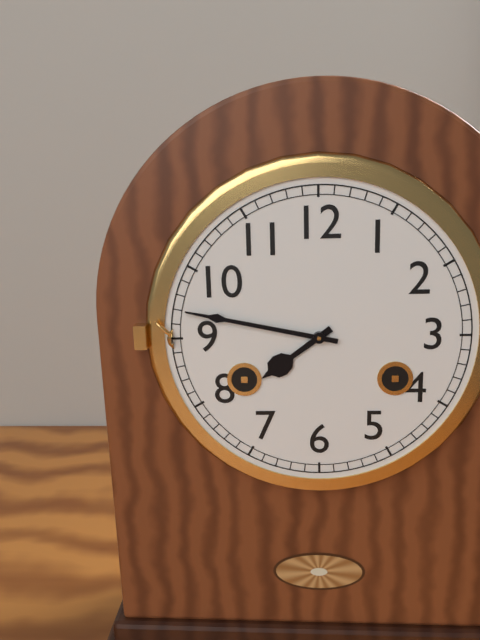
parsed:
7:47
